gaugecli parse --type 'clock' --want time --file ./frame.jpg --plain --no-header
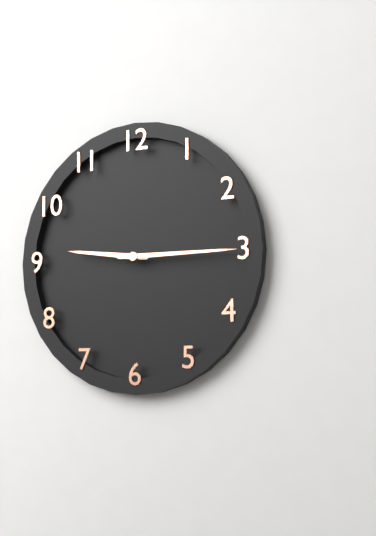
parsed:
9:15
